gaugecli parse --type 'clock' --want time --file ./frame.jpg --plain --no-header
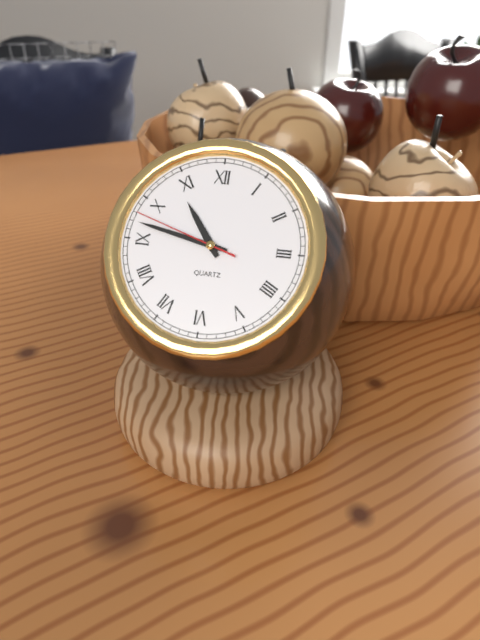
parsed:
10:47:48
